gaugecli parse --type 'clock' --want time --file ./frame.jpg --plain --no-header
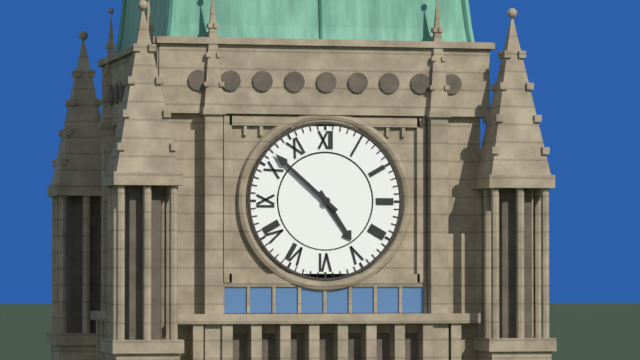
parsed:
4:52
